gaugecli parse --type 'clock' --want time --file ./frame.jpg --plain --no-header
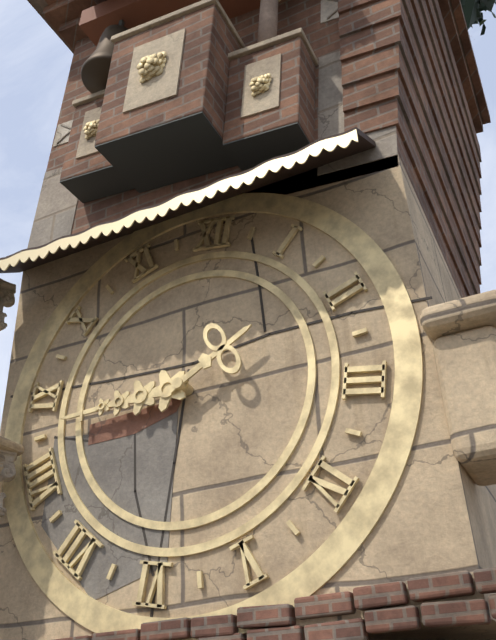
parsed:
1:43
